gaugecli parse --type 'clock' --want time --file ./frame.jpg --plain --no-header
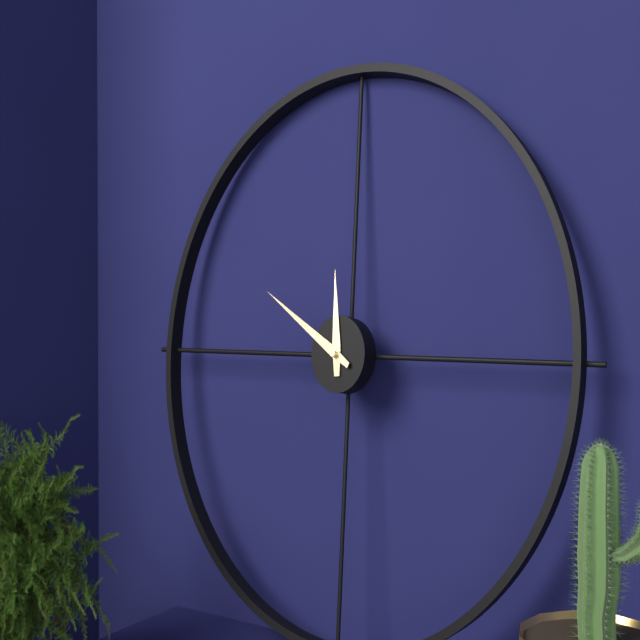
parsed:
11:50
